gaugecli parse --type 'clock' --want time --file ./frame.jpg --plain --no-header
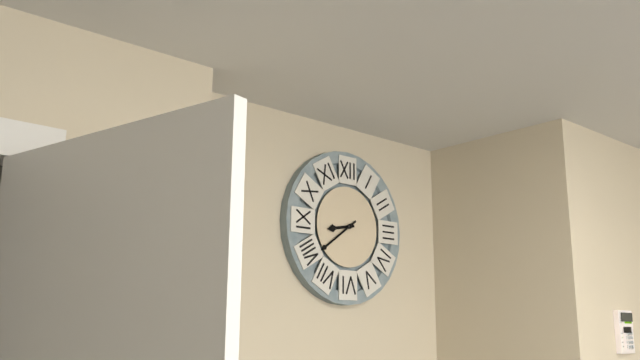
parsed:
8:39
